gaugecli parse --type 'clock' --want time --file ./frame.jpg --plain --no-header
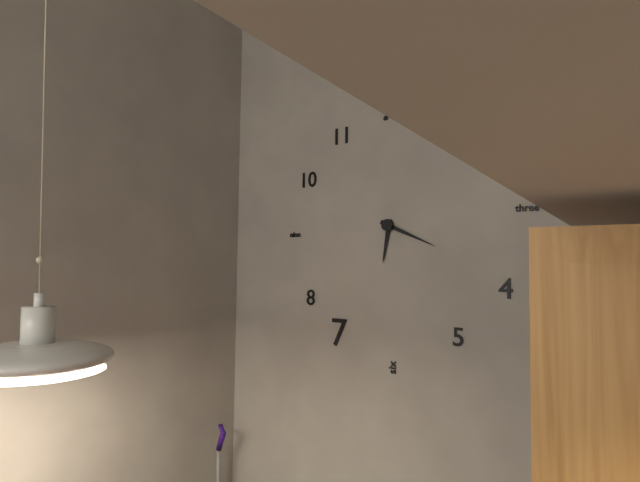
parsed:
6:19
